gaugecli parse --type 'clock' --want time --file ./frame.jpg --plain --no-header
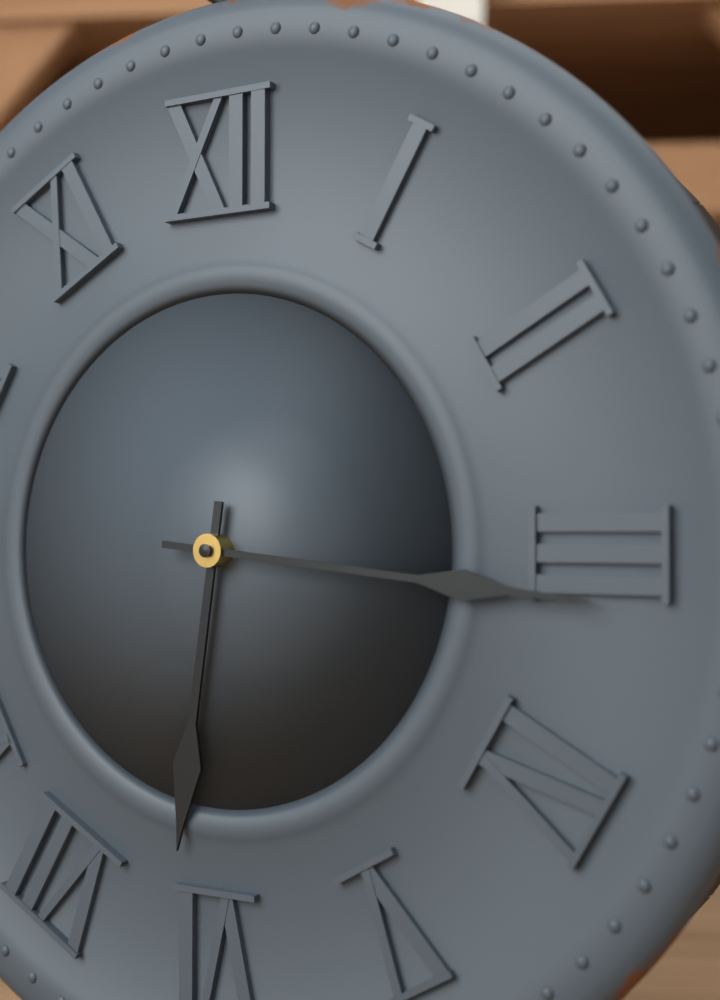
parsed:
6:16
